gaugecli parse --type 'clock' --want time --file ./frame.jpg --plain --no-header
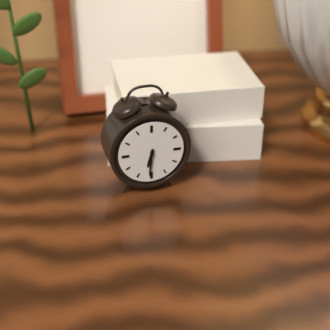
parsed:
6:31
